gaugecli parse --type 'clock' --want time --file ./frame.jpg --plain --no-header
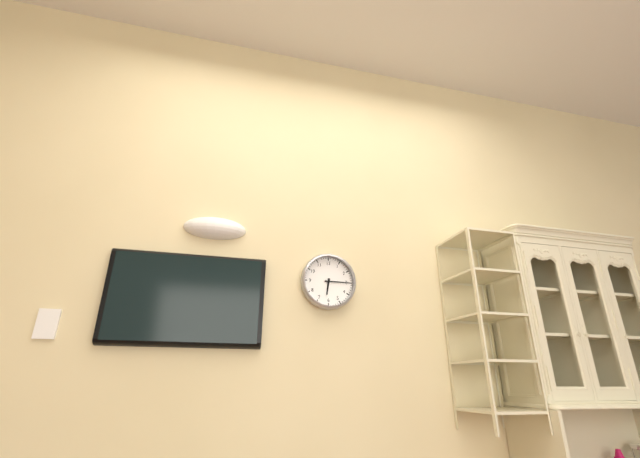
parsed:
6:15
